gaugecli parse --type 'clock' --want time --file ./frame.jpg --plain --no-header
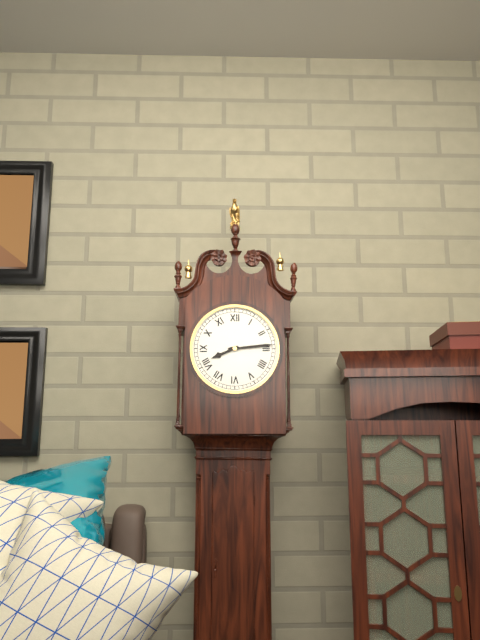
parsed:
8:14
